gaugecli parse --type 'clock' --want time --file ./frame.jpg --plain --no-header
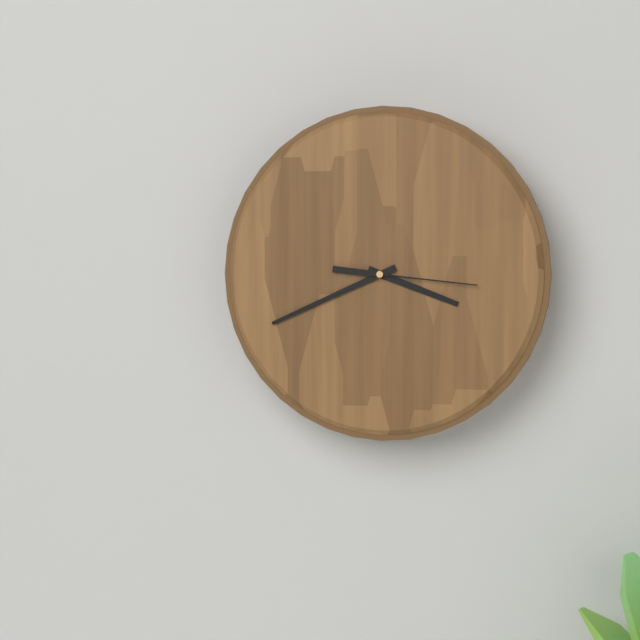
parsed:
3:41:16
